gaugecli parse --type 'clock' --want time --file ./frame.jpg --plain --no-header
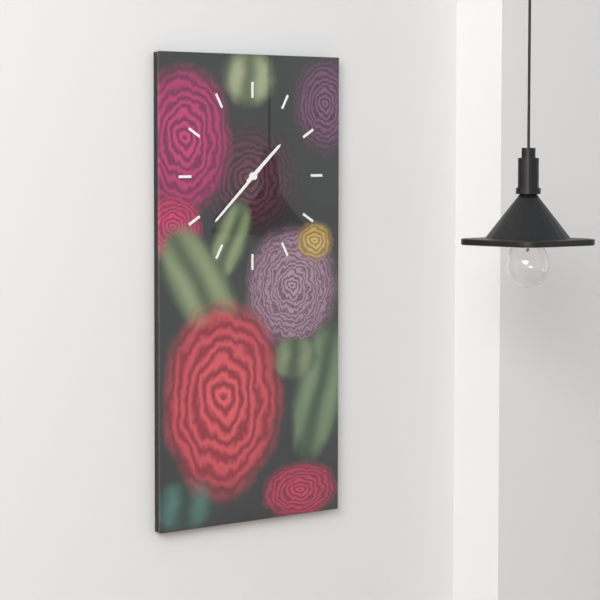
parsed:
1:38
